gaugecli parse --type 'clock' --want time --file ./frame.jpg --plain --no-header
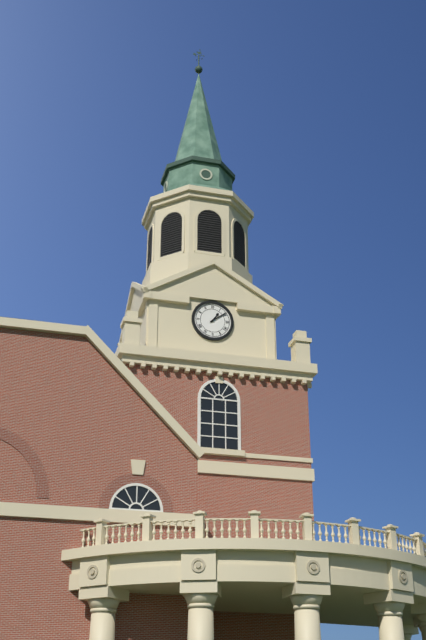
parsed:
1:09
